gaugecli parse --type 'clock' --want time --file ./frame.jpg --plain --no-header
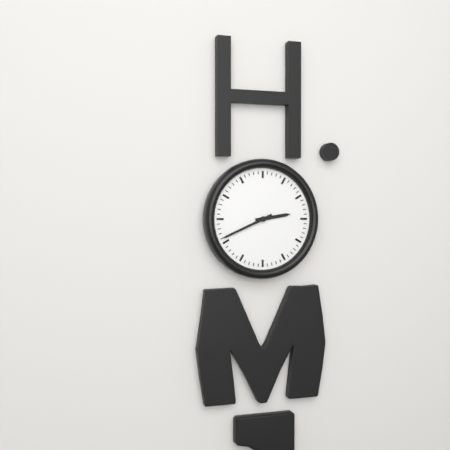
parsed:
2:41
